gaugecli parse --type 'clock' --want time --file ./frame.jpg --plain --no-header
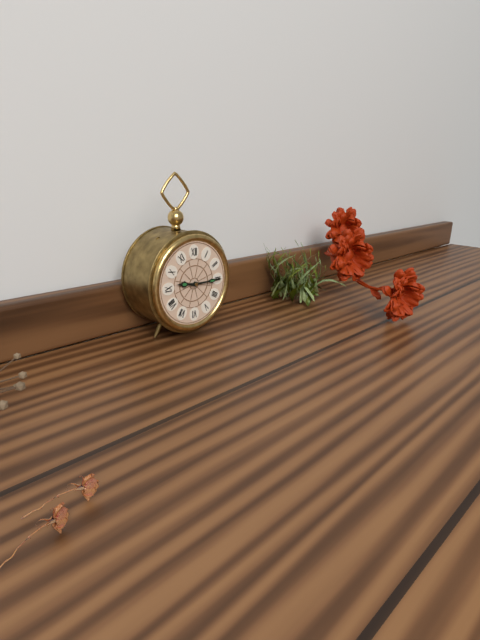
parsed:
9:15
